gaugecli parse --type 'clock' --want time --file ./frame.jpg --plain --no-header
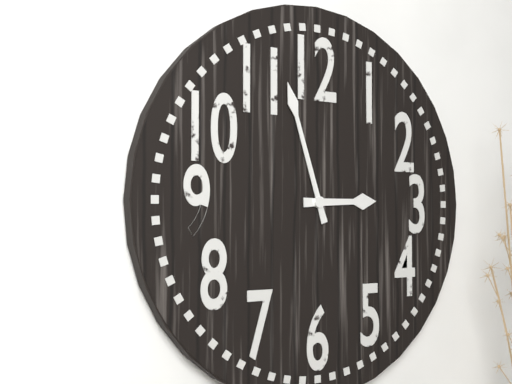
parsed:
2:57
